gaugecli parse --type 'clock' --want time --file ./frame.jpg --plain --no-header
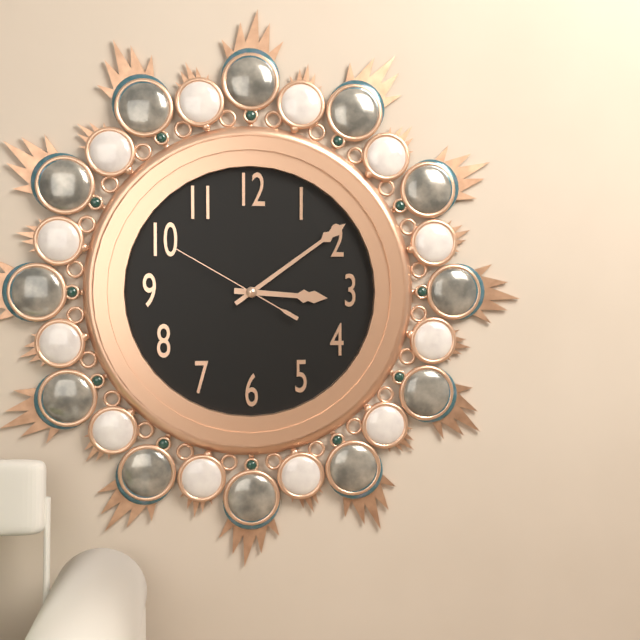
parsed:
3:09:50
